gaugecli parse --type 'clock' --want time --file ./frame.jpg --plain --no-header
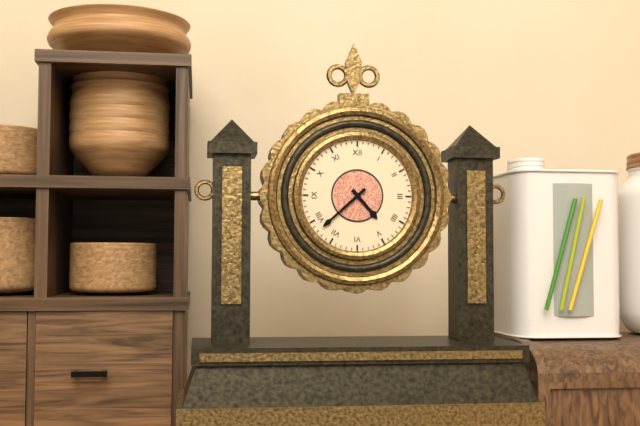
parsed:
4:38
